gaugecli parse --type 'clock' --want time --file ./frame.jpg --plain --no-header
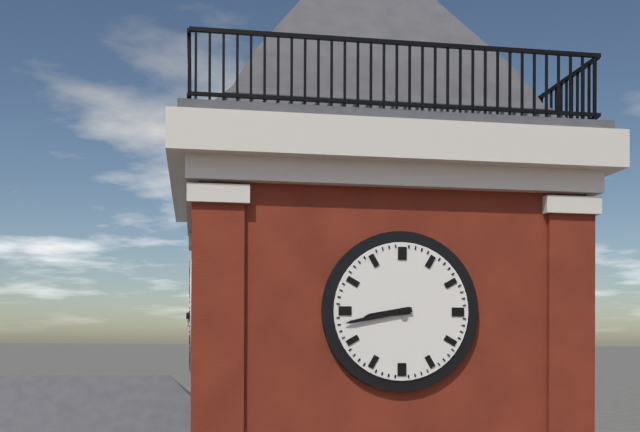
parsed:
8:43
